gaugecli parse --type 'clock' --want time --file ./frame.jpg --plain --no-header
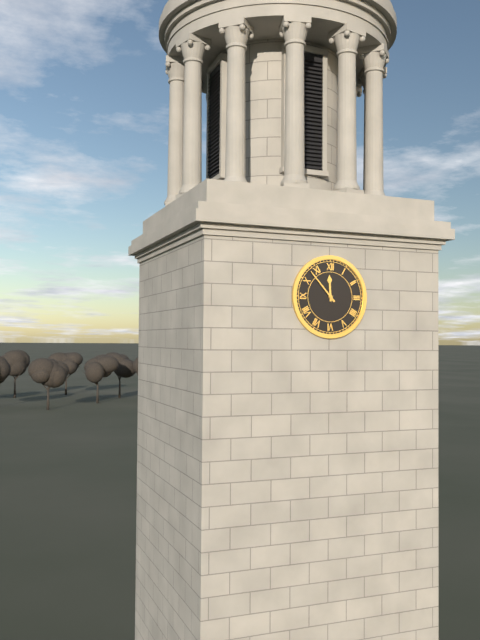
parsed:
11:53
